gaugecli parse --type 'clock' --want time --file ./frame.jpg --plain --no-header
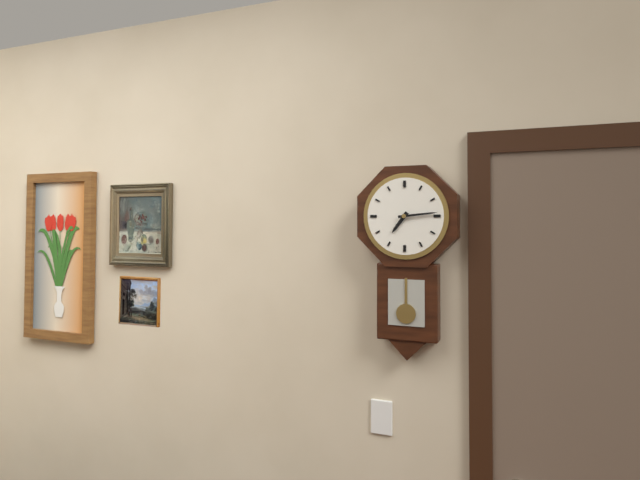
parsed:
7:14
